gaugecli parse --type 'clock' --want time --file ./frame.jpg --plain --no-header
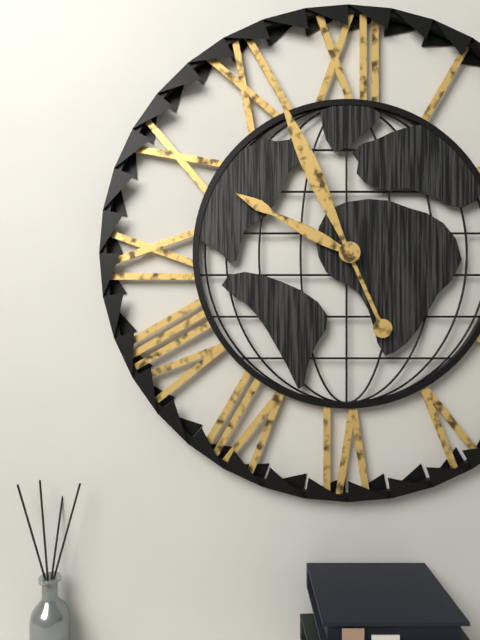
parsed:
9:56
